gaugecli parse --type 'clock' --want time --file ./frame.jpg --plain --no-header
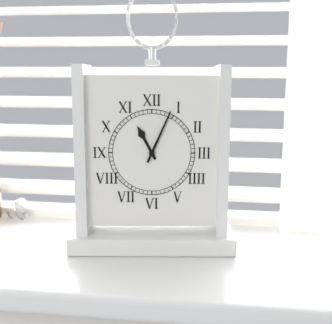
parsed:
11:04
